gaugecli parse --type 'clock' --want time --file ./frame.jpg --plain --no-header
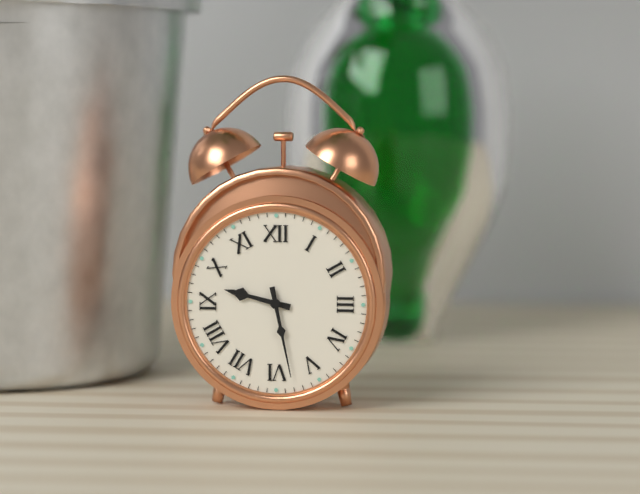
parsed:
9:28
